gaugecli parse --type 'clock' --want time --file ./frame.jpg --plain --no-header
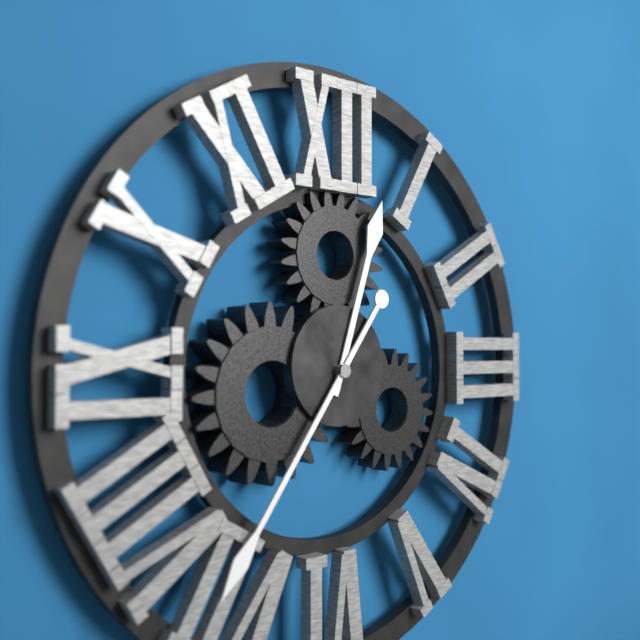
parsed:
12:36
